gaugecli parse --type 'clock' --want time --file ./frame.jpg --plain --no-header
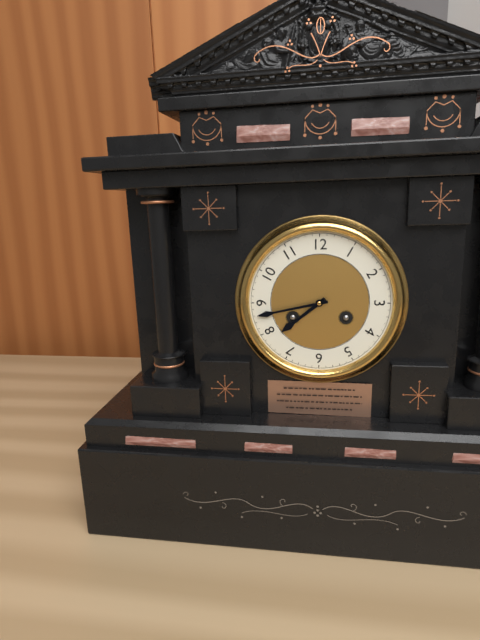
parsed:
7:43
